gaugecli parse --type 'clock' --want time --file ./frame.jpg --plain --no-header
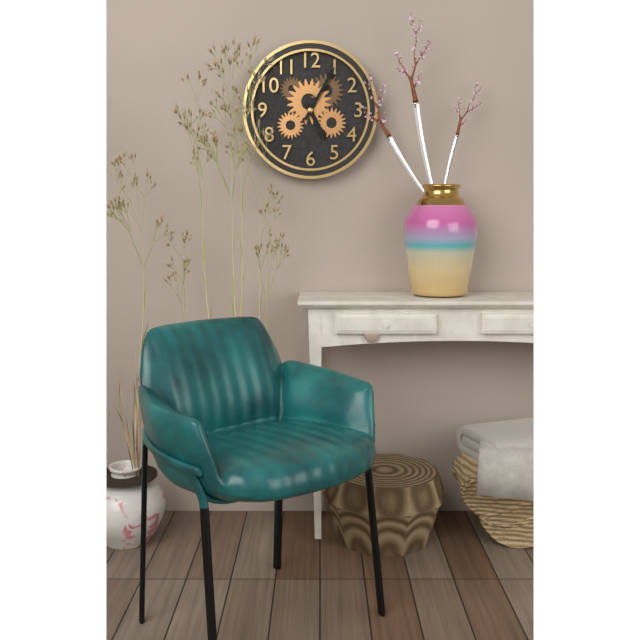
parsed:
5:05
